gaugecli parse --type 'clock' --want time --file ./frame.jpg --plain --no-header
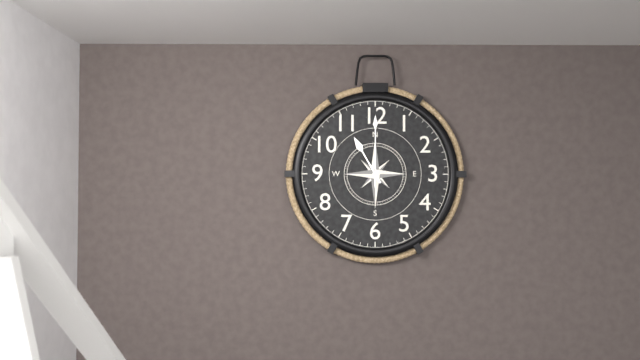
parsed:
11:00
